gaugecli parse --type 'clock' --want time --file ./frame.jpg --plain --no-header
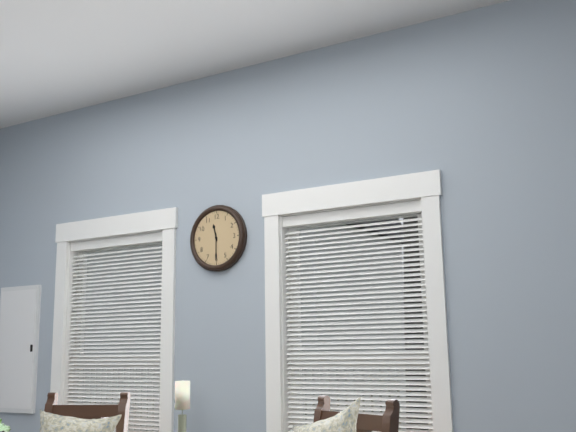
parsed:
11:30
